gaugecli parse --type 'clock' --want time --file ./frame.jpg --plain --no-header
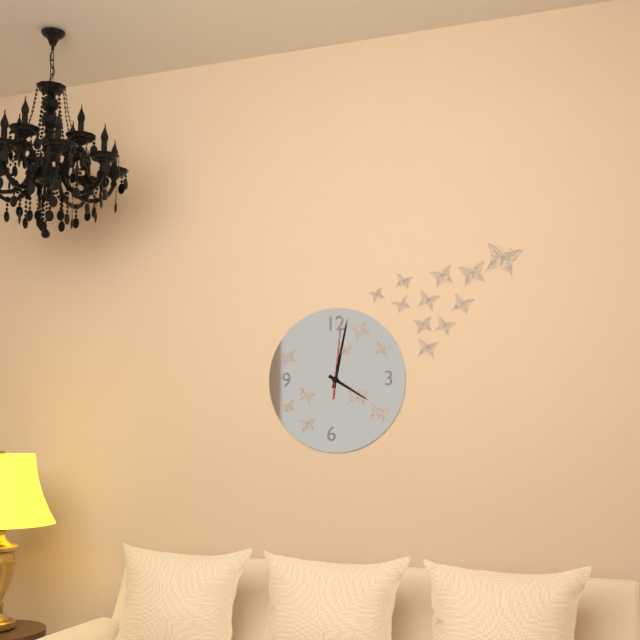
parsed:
4:02:01
